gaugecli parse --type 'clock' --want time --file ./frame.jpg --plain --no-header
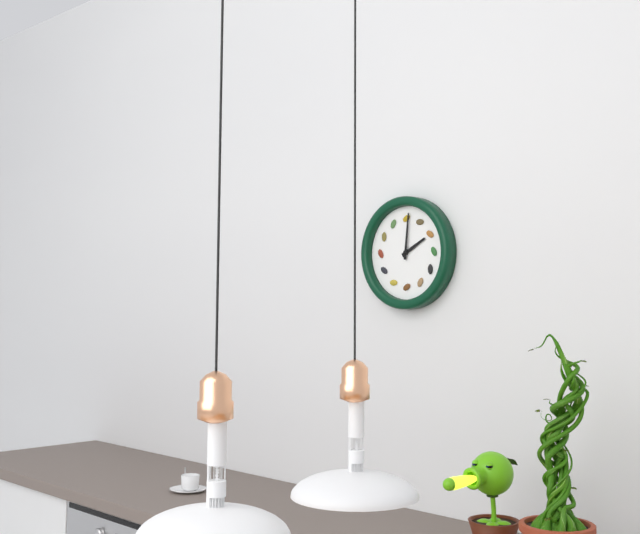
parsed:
2:01
